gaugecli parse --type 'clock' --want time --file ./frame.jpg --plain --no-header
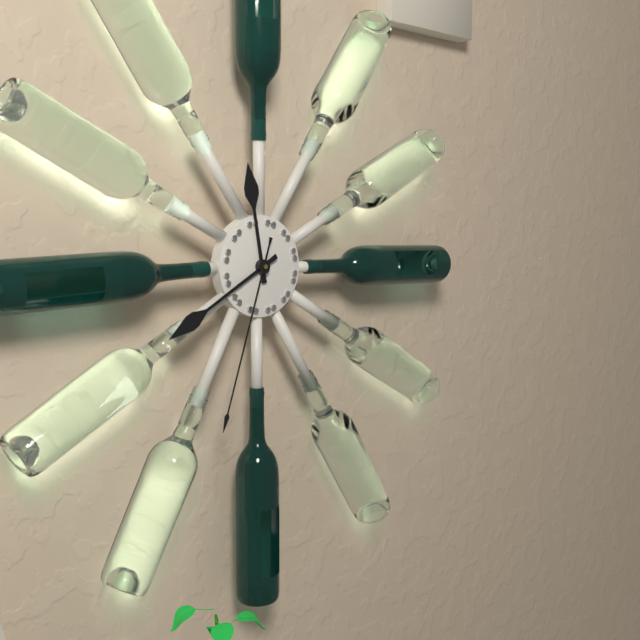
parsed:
11:40:33
